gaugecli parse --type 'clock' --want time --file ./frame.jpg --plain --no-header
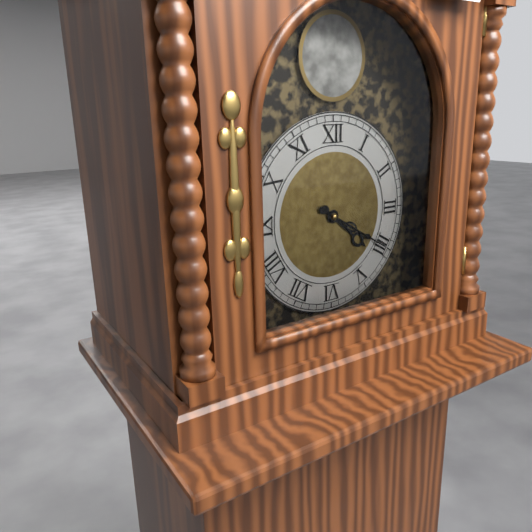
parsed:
4:20
